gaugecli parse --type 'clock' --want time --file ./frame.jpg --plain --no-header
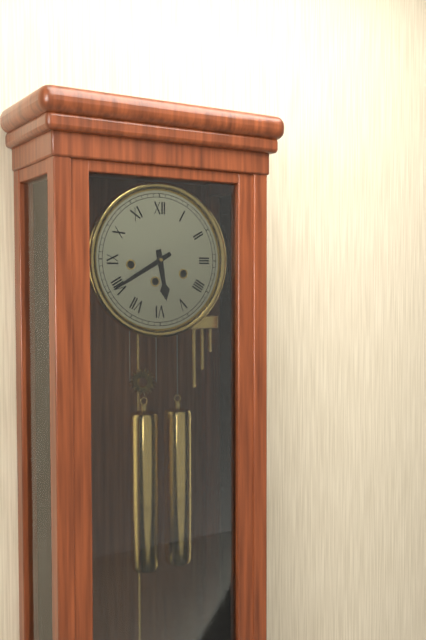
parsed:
5:40
